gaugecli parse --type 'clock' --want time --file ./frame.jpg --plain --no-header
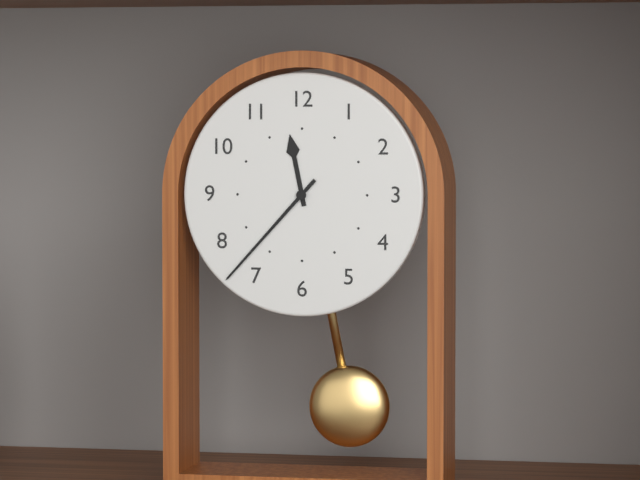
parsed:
11:37
